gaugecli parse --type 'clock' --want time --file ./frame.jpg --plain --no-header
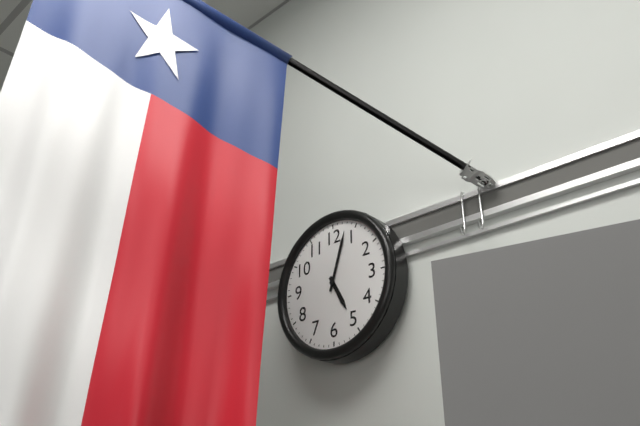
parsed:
5:03
